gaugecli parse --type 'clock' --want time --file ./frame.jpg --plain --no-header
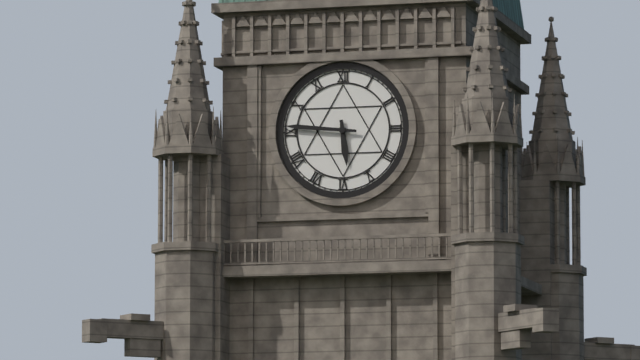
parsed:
5:46
